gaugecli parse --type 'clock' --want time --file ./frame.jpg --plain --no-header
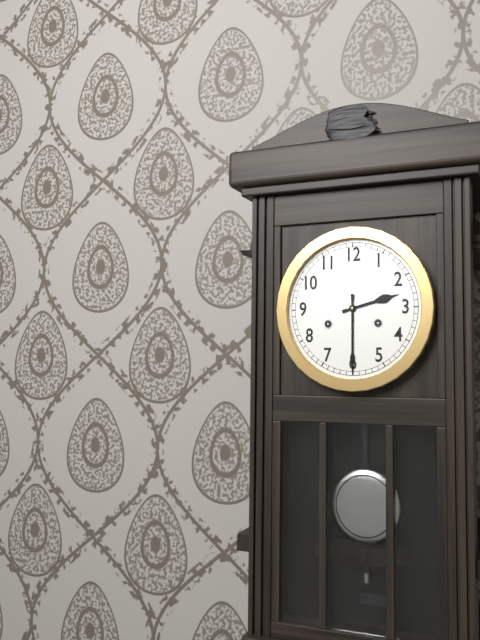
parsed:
2:30
